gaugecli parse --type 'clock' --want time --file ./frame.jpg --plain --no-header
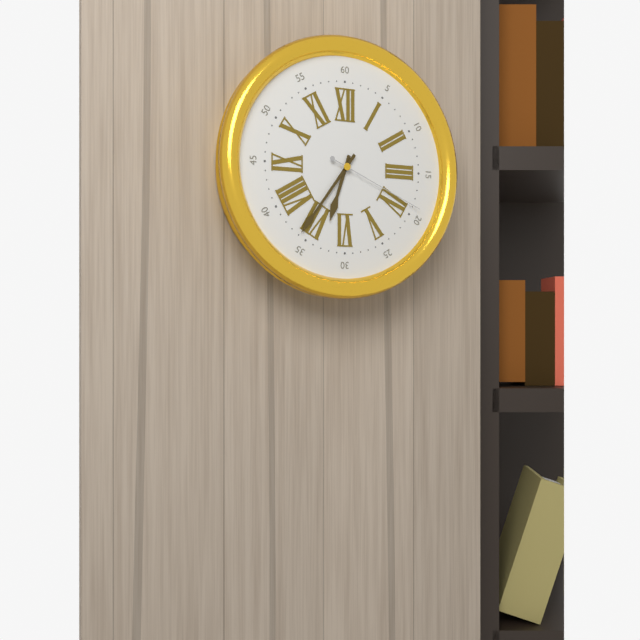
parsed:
6:36:19
